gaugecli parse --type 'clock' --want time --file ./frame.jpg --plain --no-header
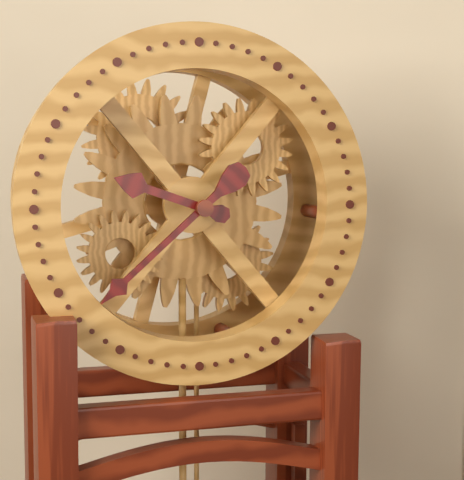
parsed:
9:38
